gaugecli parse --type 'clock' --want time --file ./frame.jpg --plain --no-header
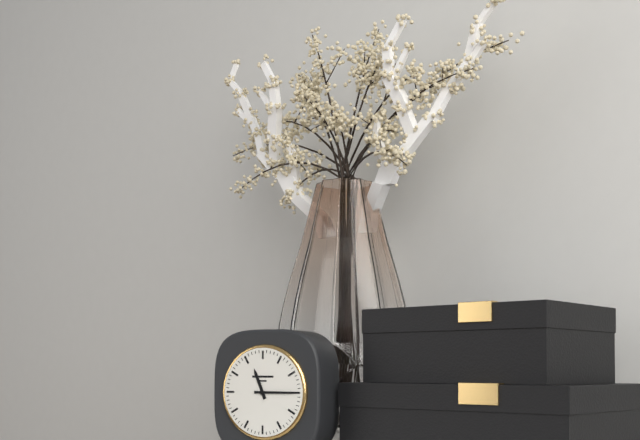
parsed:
11:15
